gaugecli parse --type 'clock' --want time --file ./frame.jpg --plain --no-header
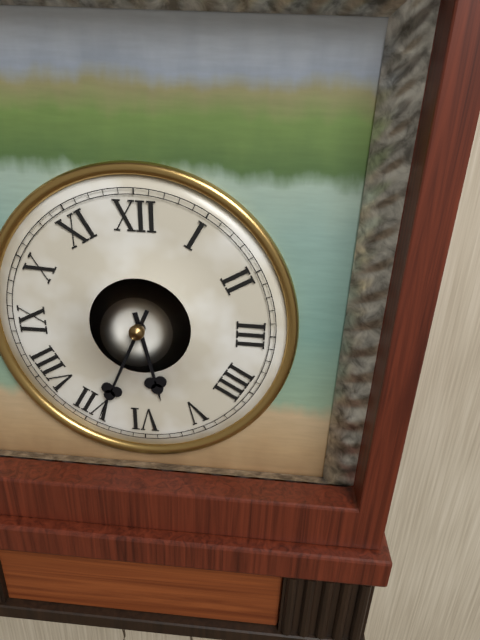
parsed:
5:34
